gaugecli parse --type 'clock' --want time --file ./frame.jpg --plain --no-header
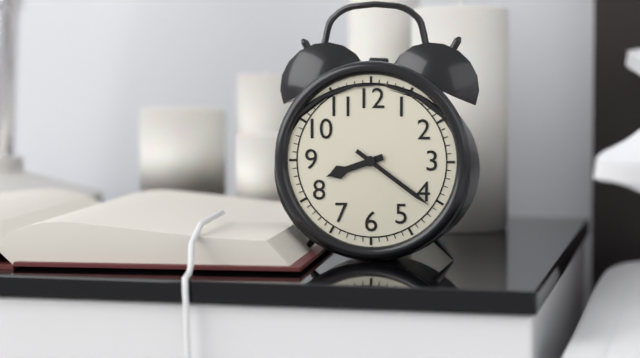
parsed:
8:21
